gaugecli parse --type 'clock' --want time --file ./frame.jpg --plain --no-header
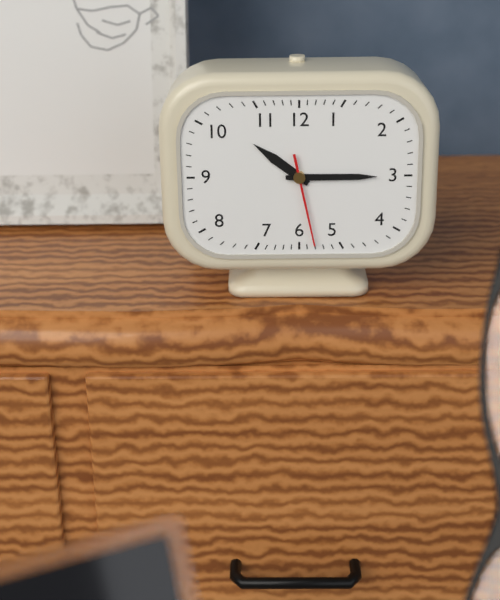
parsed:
10:15:28
